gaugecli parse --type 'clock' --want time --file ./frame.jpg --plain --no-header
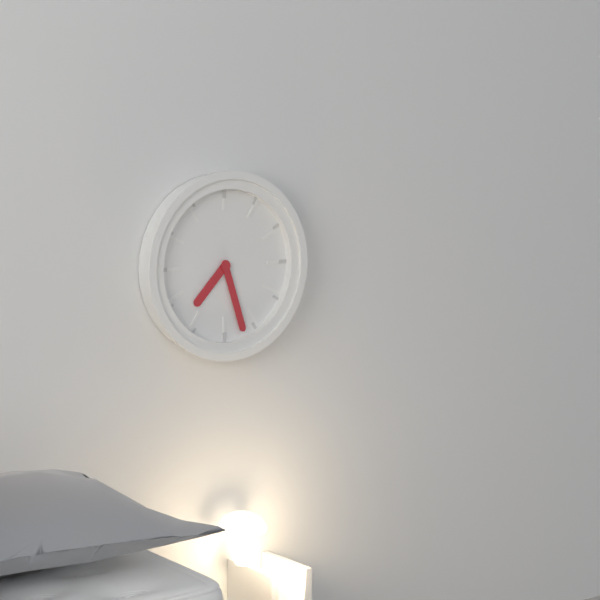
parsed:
7:27
